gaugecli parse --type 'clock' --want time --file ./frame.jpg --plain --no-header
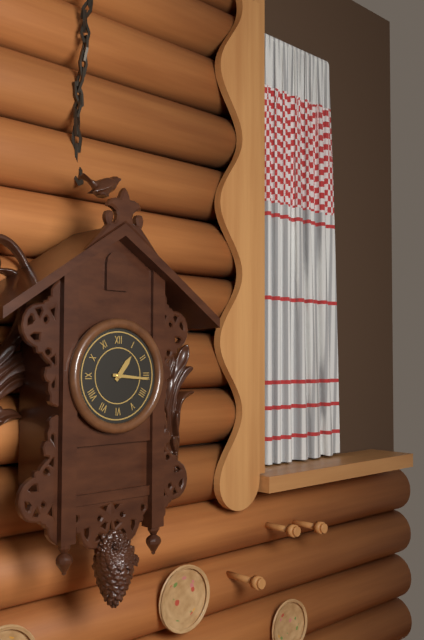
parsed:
1:16
